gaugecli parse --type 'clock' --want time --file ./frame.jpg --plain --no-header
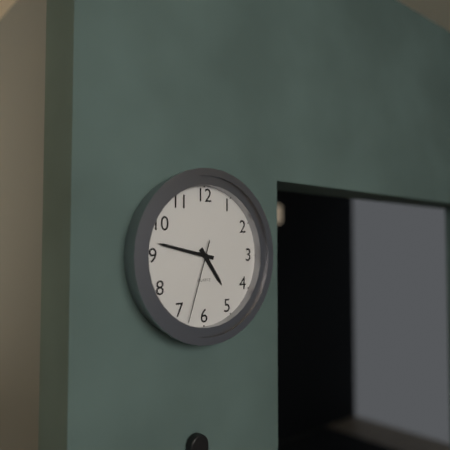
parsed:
4:47:33
